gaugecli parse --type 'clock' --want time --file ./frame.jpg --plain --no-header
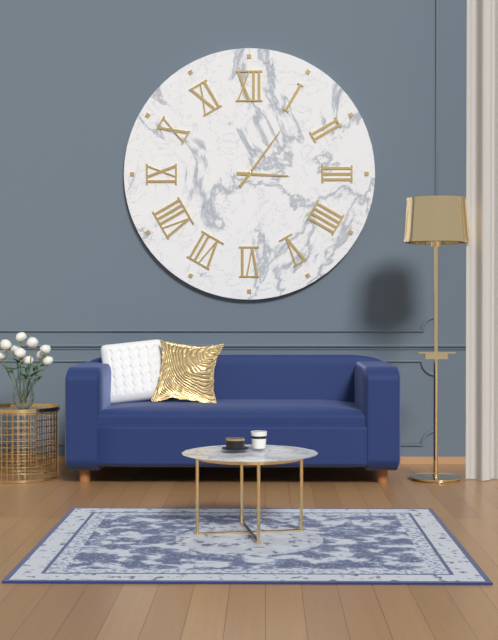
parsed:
3:06
